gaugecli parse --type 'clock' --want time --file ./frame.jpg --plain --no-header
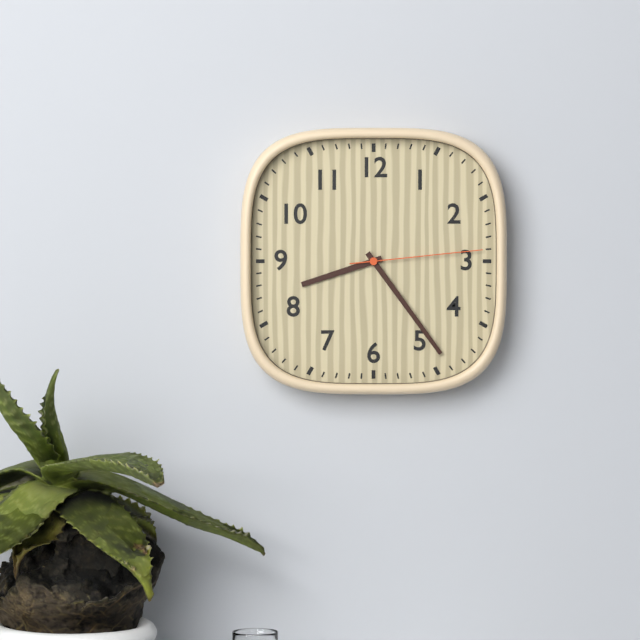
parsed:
8:24:14
